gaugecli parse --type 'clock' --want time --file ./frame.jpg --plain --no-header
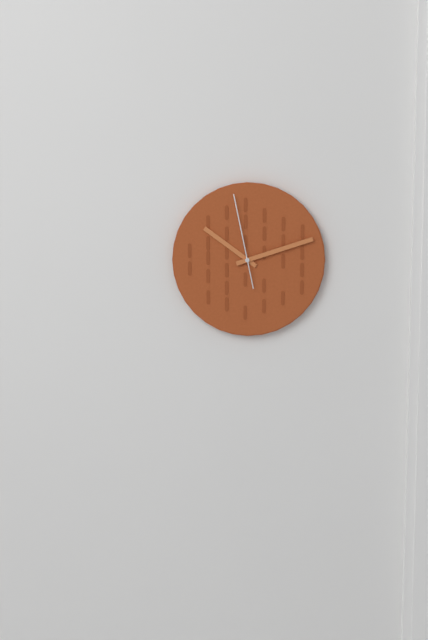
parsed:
10:12:58
